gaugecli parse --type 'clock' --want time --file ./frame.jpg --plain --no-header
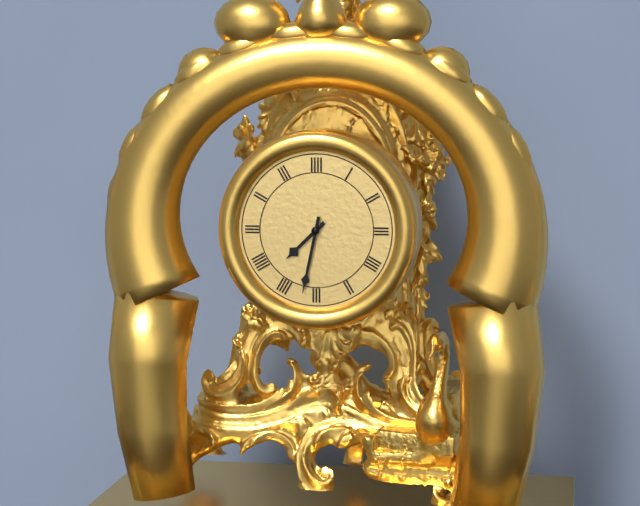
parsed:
7:32
